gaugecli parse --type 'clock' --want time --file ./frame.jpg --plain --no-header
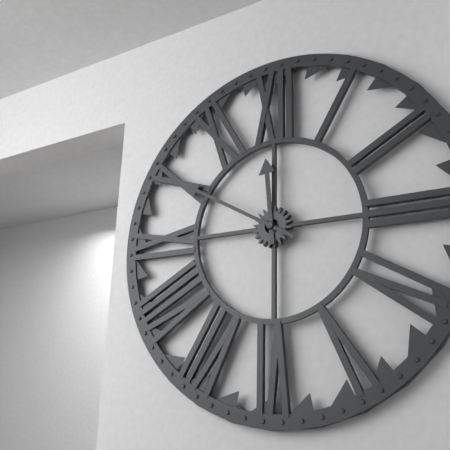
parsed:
11:50
